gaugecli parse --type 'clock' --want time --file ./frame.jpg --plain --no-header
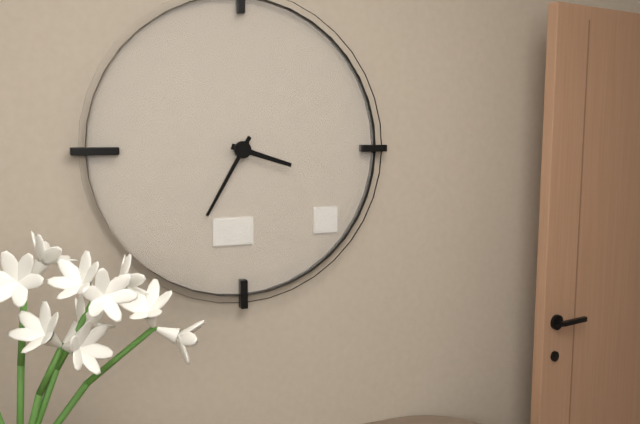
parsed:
3:35
